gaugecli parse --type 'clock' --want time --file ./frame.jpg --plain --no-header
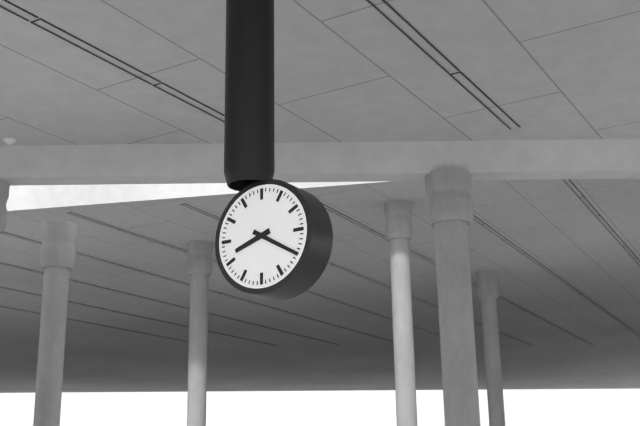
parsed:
8:20
